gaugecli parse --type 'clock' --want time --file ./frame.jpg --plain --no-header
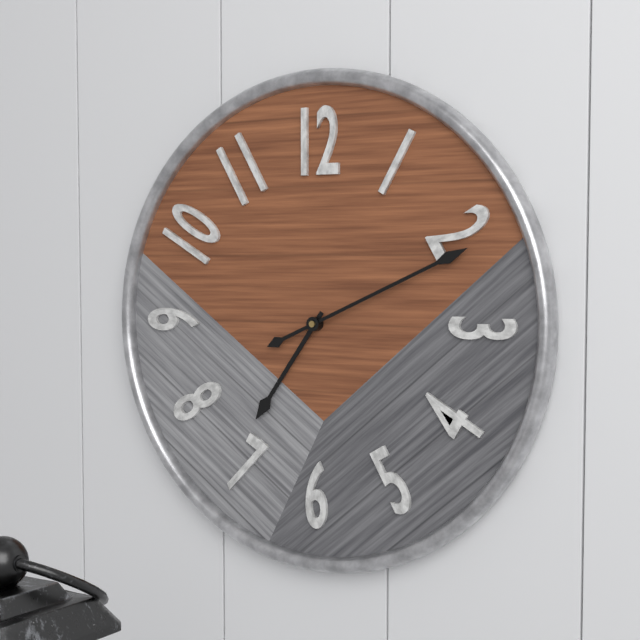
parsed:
7:11
